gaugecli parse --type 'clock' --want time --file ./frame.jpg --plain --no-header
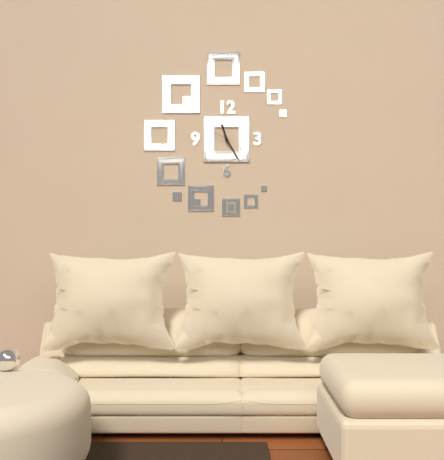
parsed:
11:25
